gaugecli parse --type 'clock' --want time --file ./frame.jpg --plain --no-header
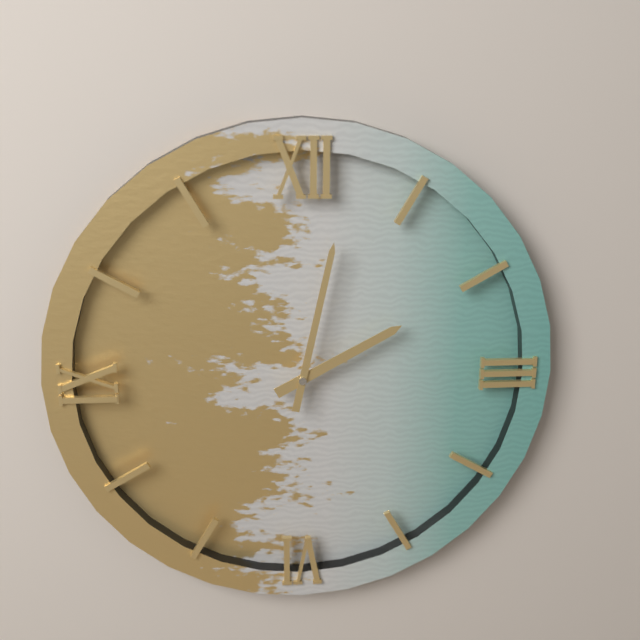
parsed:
2:02
